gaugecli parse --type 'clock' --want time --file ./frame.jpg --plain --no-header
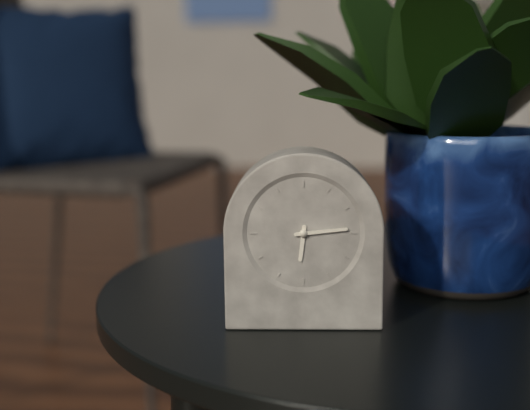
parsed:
6:14
